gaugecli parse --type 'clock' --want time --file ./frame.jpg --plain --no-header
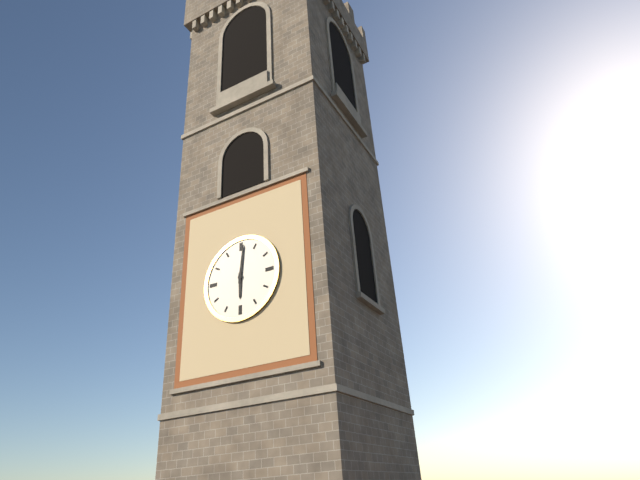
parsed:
6:01
